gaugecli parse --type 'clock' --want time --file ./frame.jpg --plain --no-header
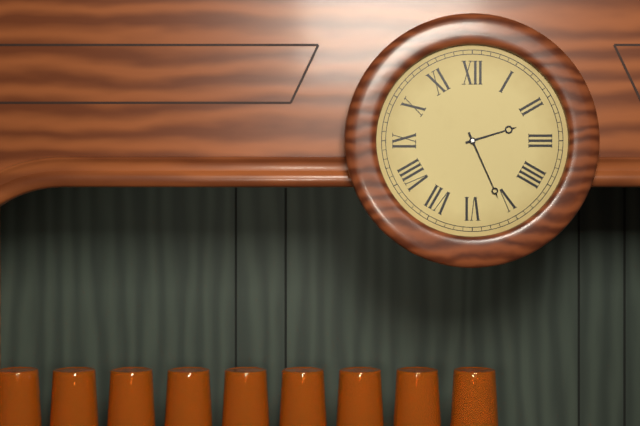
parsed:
2:26
